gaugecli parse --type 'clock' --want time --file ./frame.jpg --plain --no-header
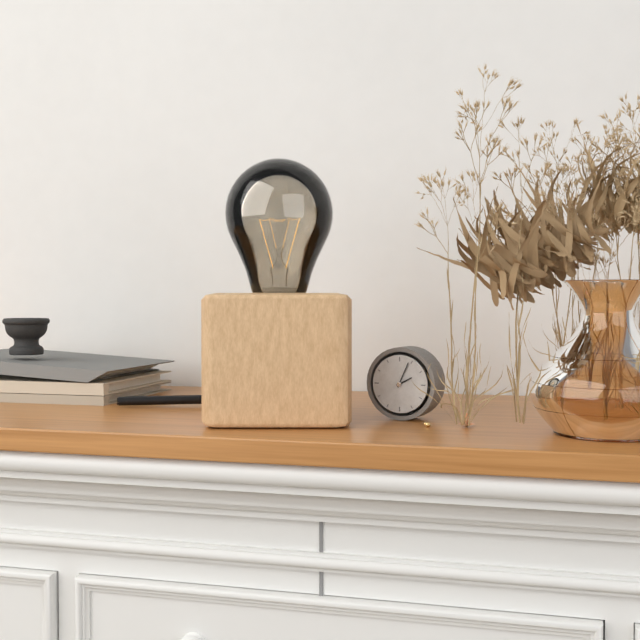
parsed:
2:04
